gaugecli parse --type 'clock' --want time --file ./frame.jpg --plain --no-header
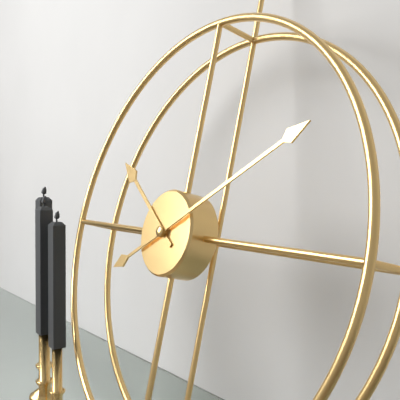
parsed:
10:10
